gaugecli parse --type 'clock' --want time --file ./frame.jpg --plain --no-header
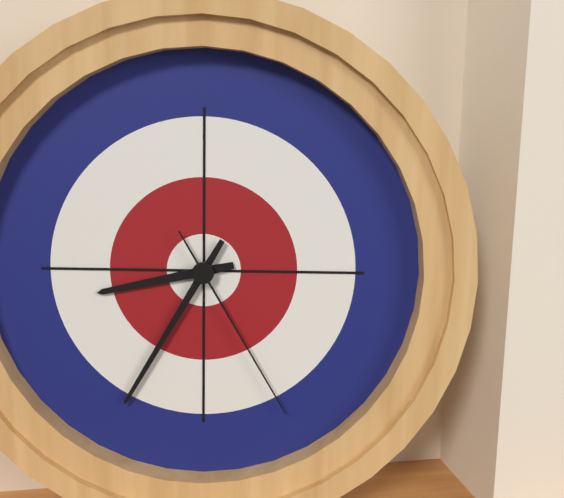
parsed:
8:35:25
